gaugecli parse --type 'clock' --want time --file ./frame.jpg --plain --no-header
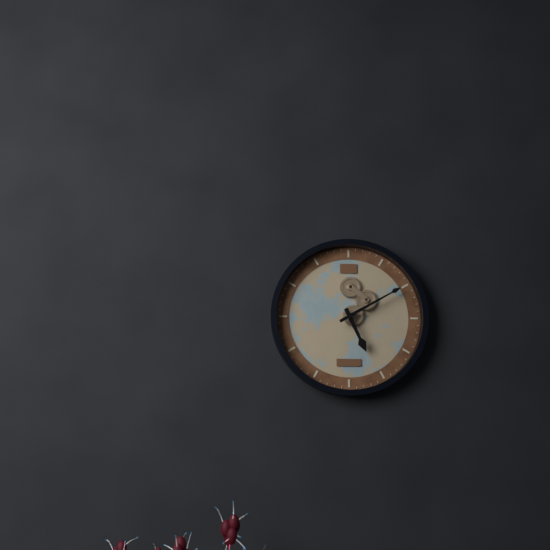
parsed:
5:10
